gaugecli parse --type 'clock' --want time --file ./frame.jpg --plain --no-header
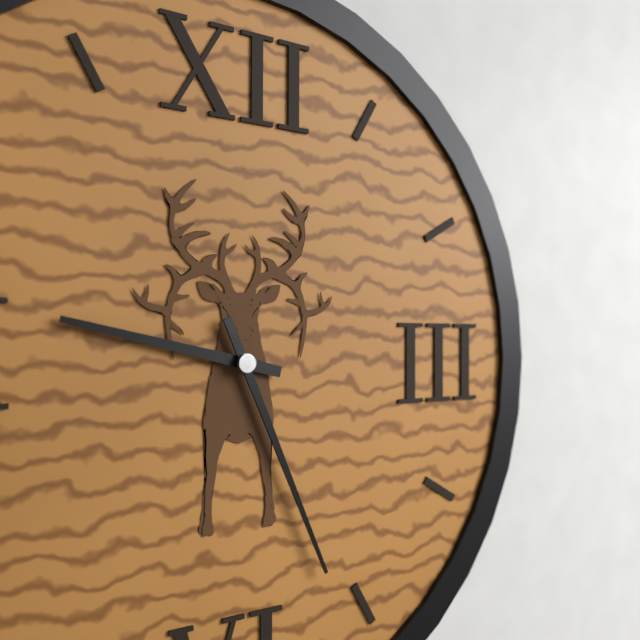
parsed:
9:26
